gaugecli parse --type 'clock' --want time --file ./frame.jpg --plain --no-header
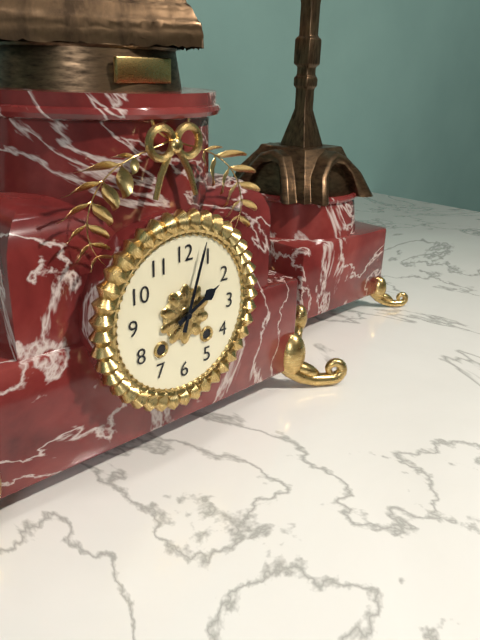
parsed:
2:03
